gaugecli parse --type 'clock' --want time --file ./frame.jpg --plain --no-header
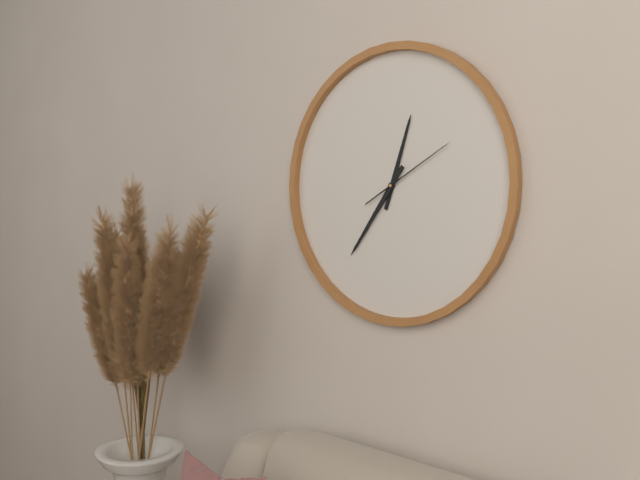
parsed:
12:36:10
